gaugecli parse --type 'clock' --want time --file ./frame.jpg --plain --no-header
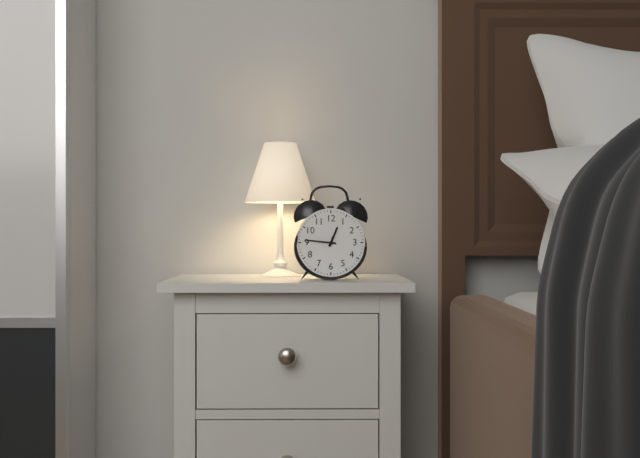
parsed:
12:46
